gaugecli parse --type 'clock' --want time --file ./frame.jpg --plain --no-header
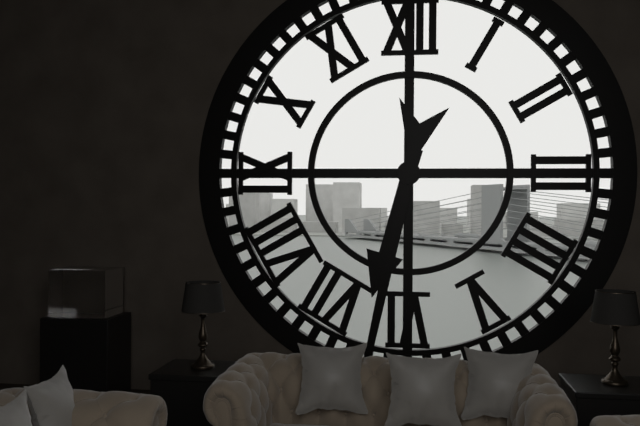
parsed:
6:32
